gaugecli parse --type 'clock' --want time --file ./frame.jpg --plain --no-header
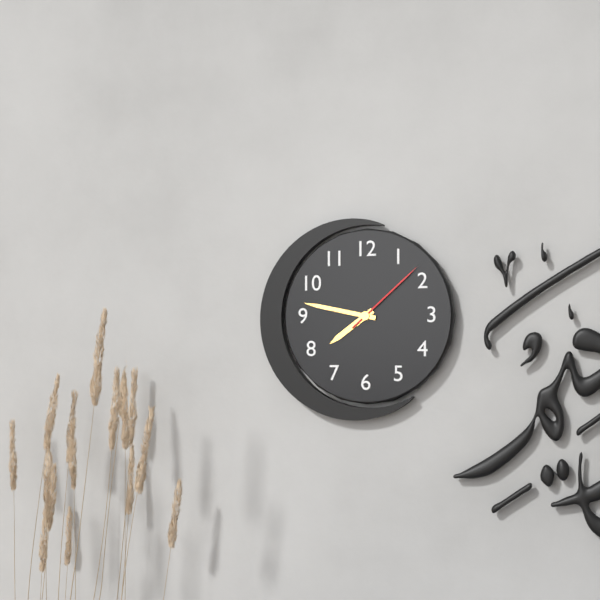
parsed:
7:47:08
